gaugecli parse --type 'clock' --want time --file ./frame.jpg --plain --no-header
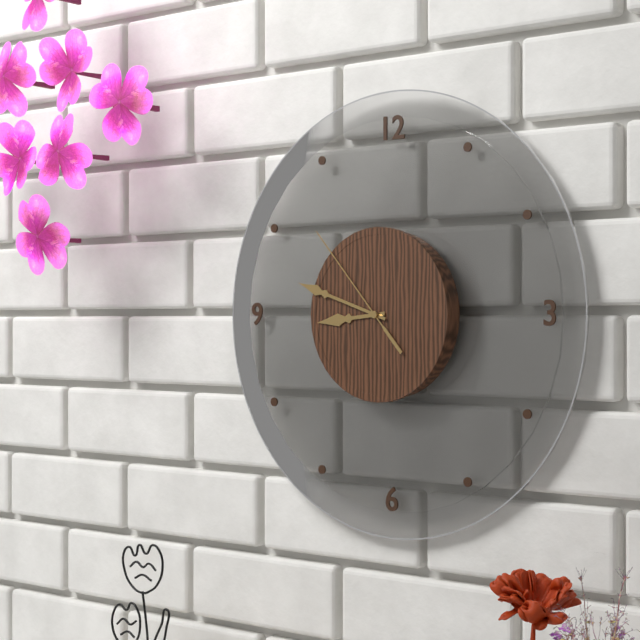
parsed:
8:48:53
